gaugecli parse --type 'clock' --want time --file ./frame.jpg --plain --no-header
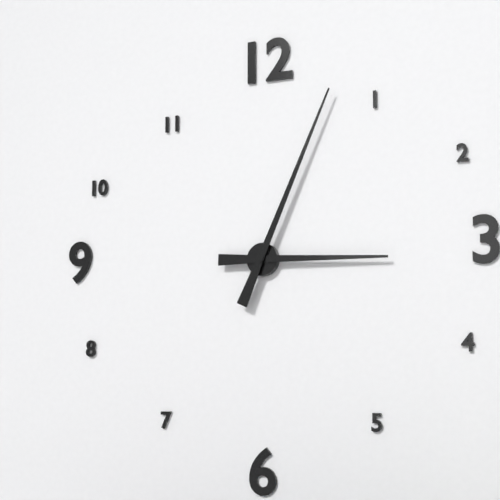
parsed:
3:04
